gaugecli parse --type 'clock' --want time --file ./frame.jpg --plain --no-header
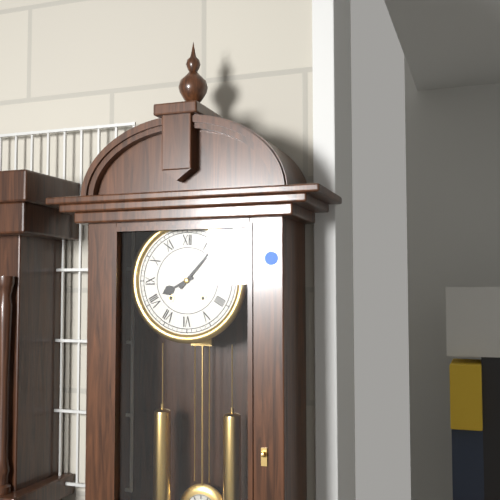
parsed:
8:07
